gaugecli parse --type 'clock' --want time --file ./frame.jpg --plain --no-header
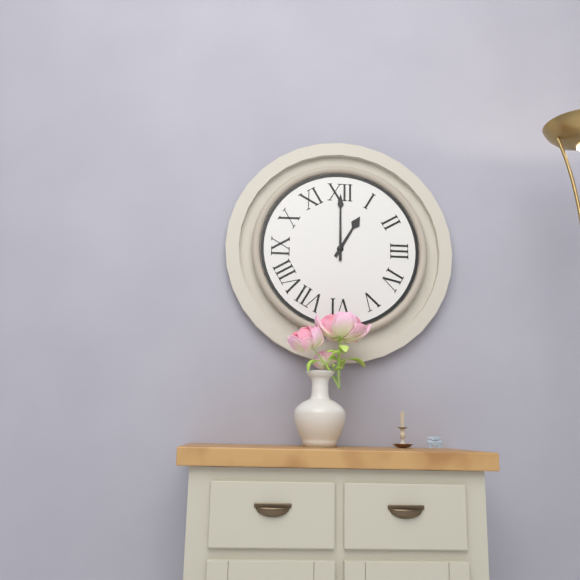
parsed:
1:00
